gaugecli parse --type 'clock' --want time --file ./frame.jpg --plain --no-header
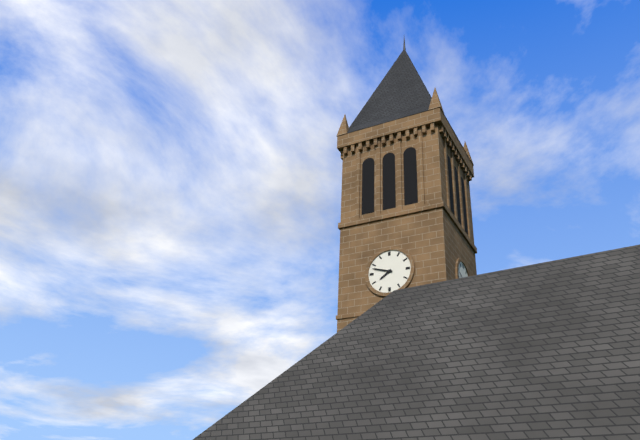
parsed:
7:48
